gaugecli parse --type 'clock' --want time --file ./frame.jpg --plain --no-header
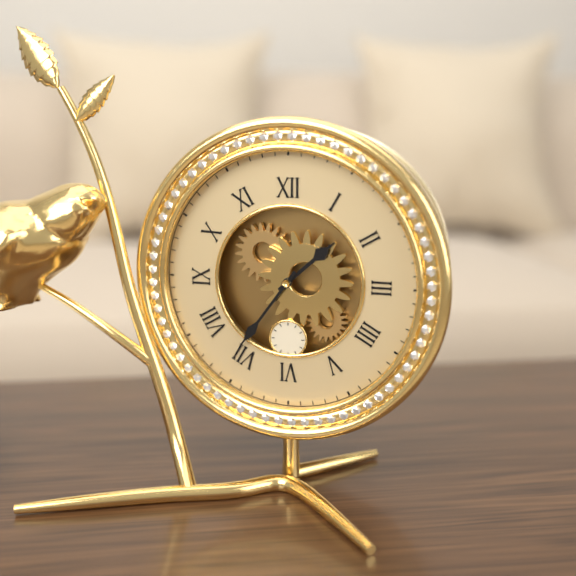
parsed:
1:36
